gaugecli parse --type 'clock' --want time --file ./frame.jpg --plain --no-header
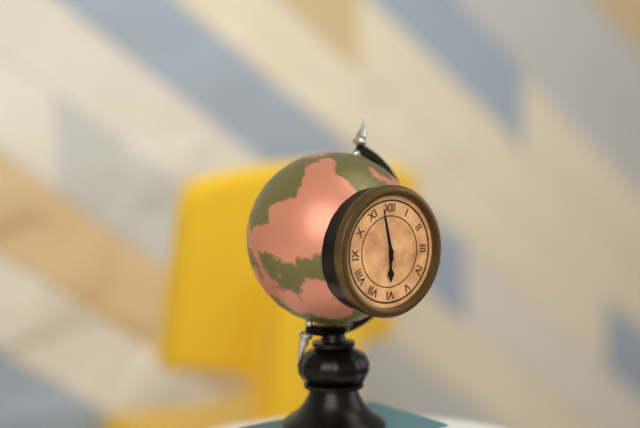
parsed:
5:58
